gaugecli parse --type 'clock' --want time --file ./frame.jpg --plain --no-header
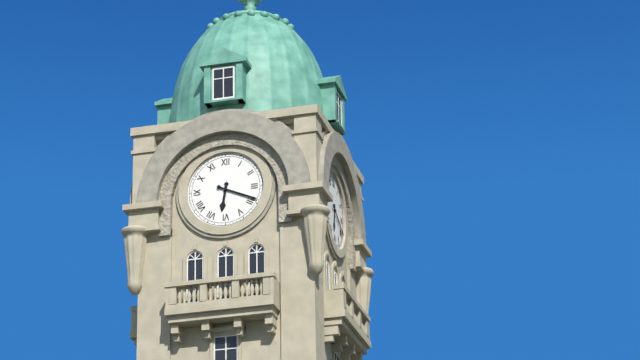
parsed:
6:19
